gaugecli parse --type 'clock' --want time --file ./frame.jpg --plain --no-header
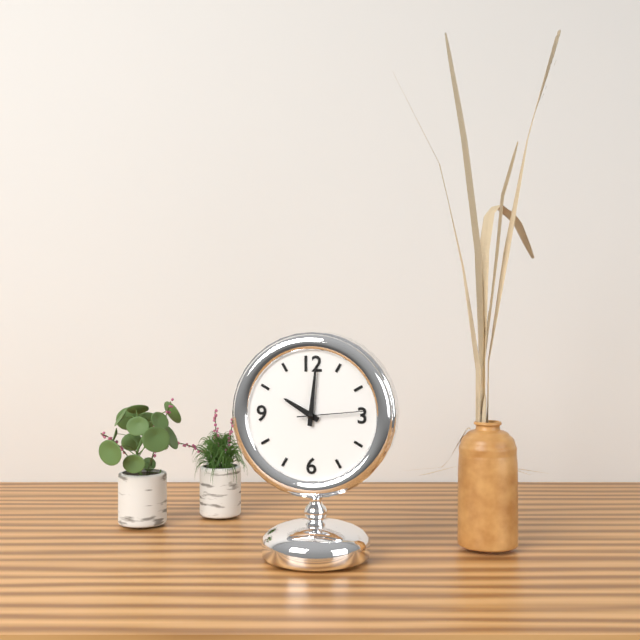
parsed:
10:01:14
